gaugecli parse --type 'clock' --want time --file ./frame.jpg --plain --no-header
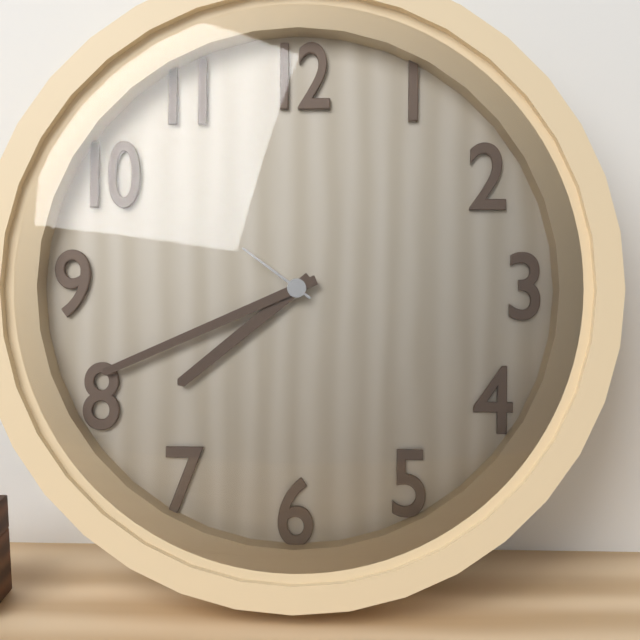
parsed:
7:41:51
